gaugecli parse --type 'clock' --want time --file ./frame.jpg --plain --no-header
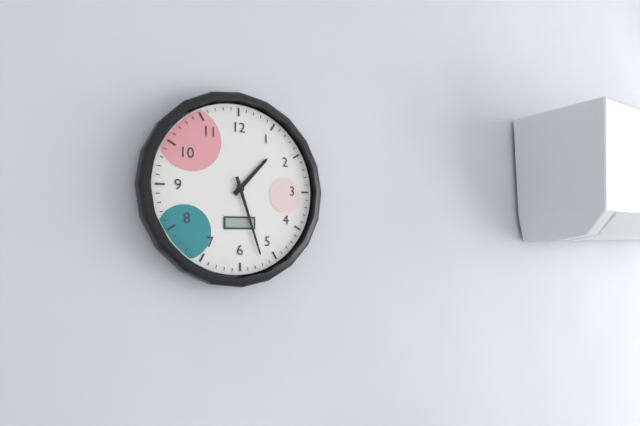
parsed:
1:27
